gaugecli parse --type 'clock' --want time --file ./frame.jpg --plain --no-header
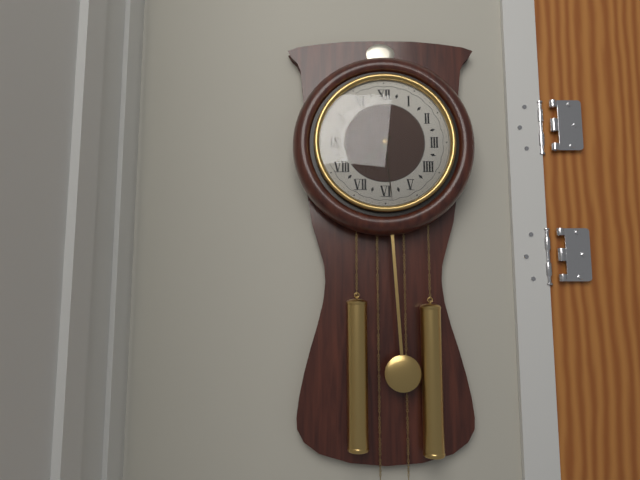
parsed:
7:29
